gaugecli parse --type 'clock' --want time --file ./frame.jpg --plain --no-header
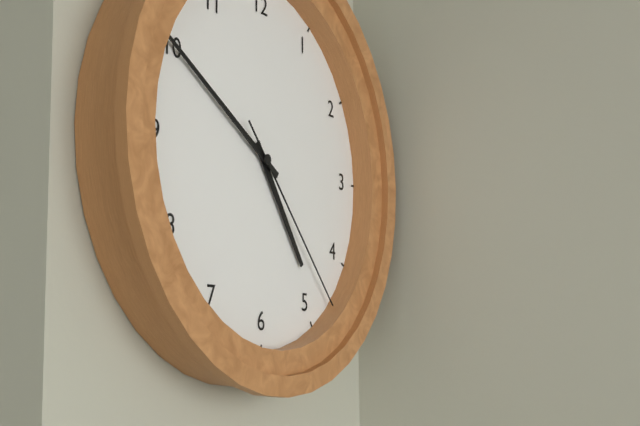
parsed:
4:50:23
